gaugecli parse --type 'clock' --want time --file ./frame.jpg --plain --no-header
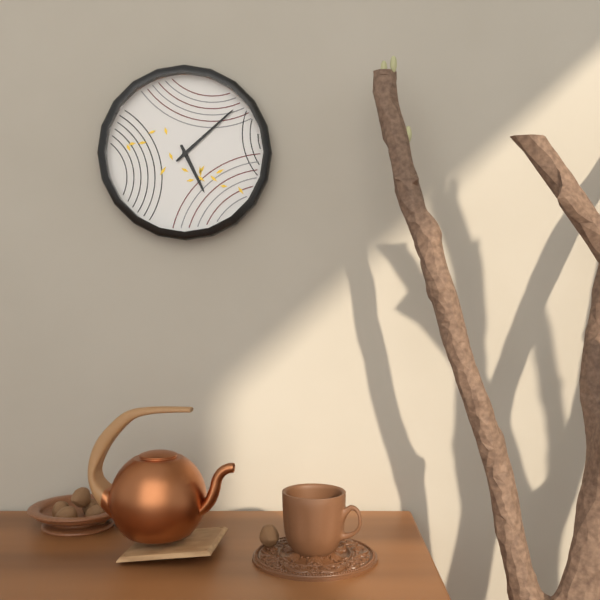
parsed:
5:08
